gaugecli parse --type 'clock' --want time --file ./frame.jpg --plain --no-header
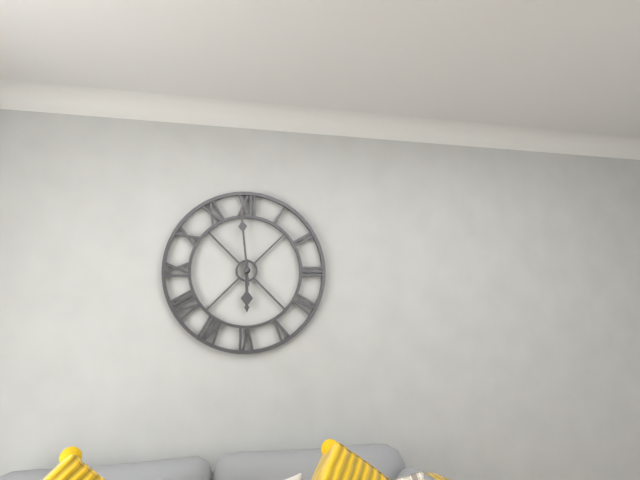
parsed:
5:59
